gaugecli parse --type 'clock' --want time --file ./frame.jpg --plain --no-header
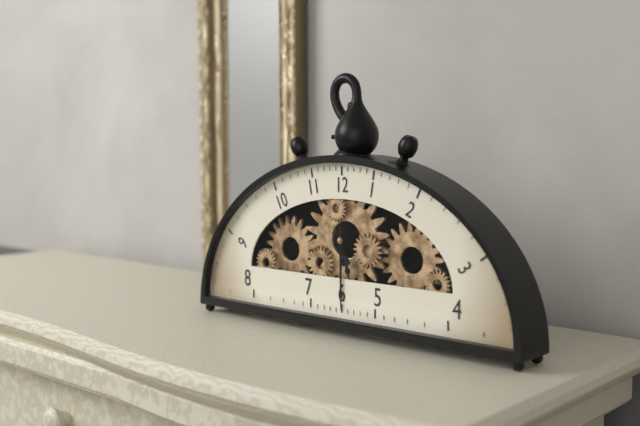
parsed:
5:30
